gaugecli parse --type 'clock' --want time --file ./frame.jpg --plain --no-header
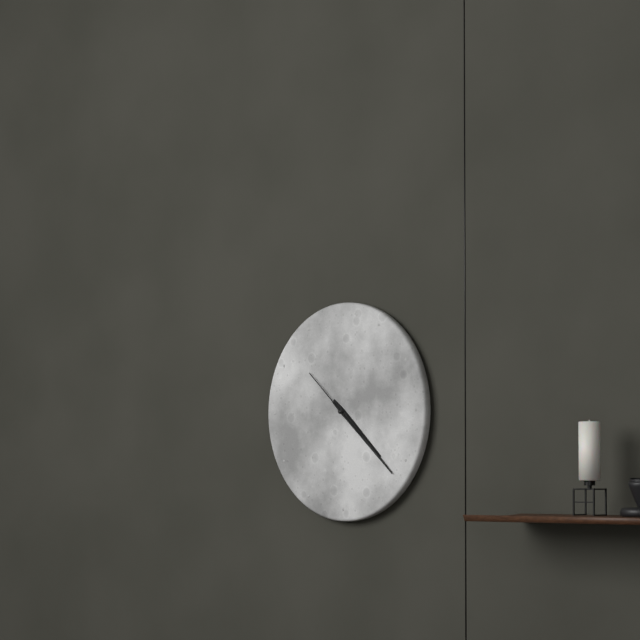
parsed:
4:22:52
